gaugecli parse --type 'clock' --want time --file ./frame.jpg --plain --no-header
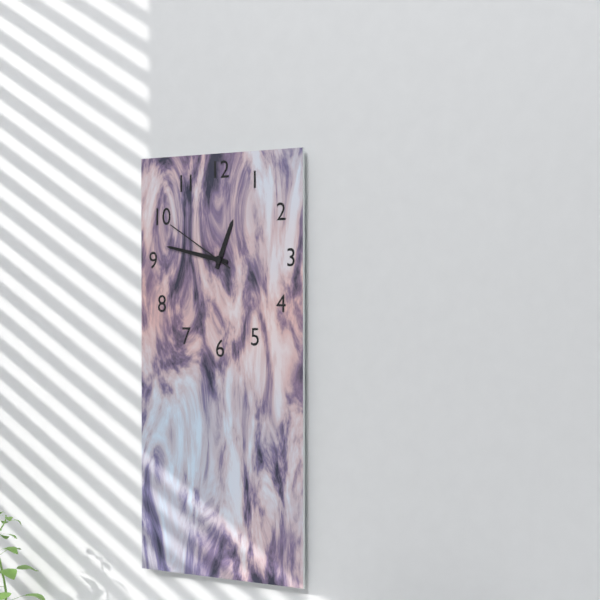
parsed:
12:47:50
